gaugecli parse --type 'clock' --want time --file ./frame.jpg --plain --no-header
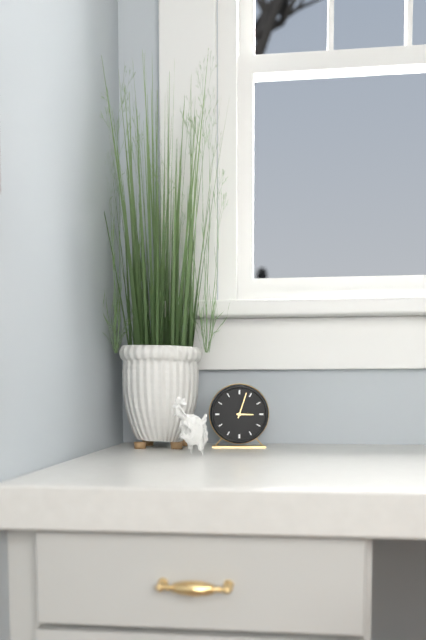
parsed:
3:03
